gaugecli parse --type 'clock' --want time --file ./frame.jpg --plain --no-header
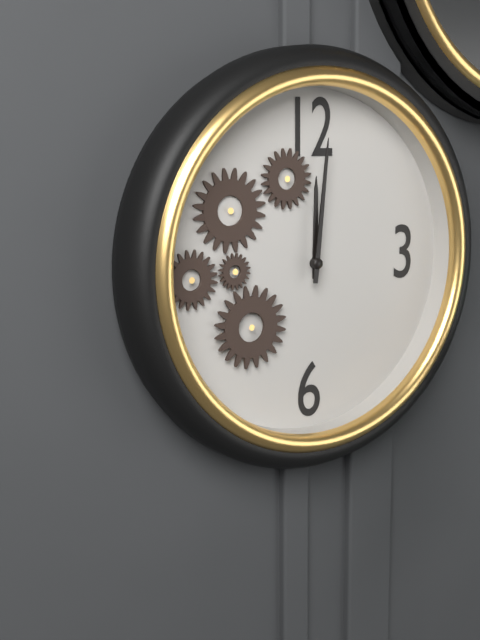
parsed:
12:01
